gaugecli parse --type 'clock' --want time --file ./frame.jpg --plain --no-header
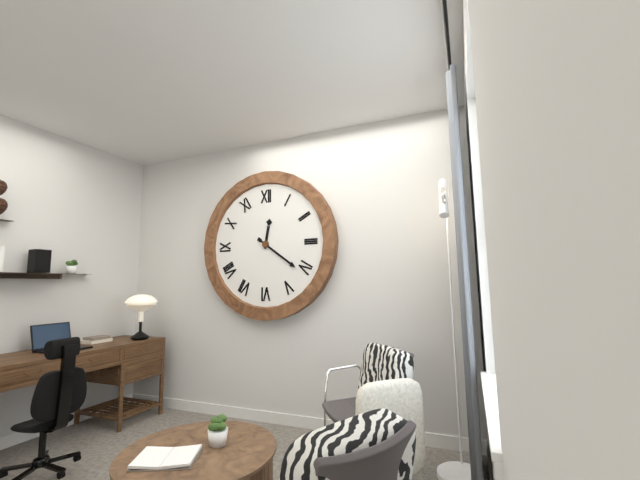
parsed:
12:21
